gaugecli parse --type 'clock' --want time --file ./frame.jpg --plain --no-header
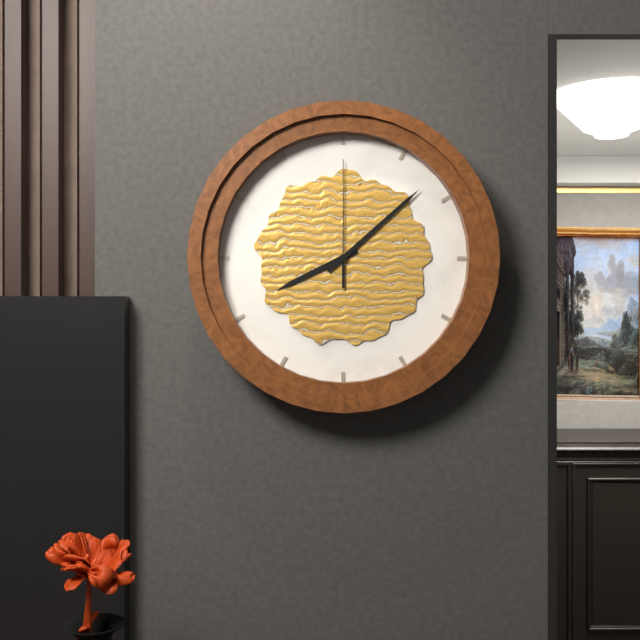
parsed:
8:08:00
